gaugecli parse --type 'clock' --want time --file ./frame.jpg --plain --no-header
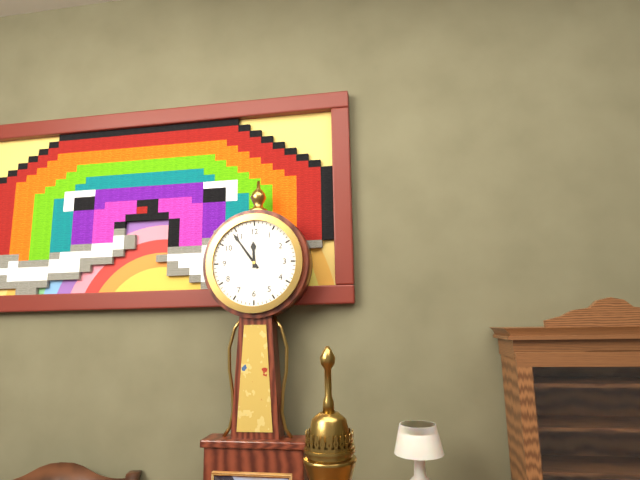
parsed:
11:54
